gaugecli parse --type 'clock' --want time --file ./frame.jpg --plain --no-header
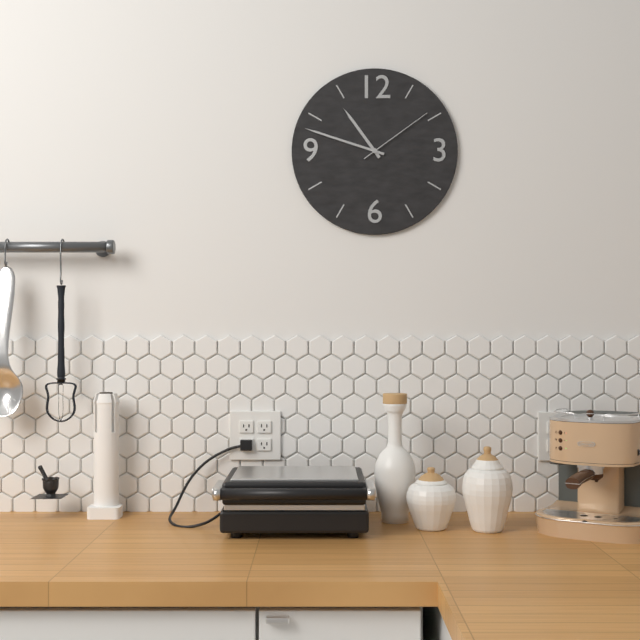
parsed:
10:48:09
